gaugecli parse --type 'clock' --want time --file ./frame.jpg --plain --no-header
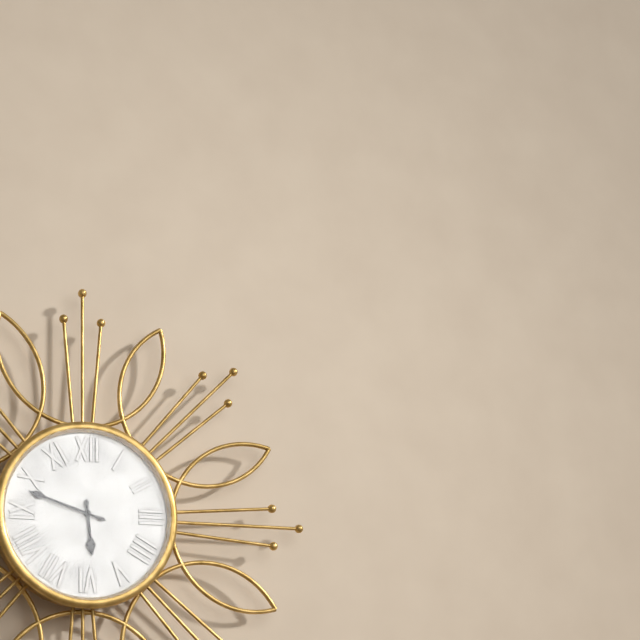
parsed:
5:48
